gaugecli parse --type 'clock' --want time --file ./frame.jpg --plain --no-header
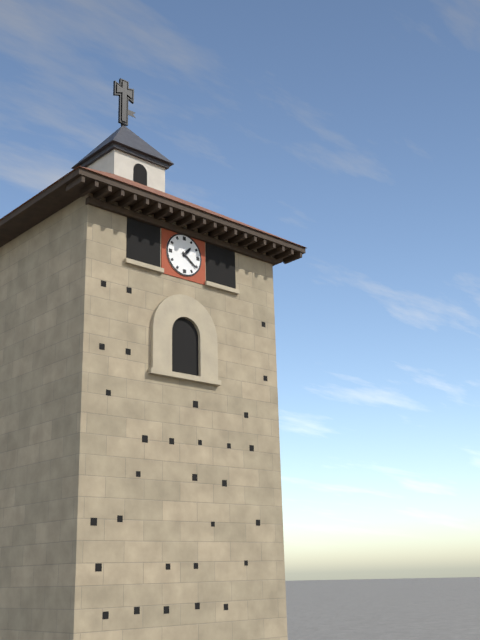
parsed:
1:21
